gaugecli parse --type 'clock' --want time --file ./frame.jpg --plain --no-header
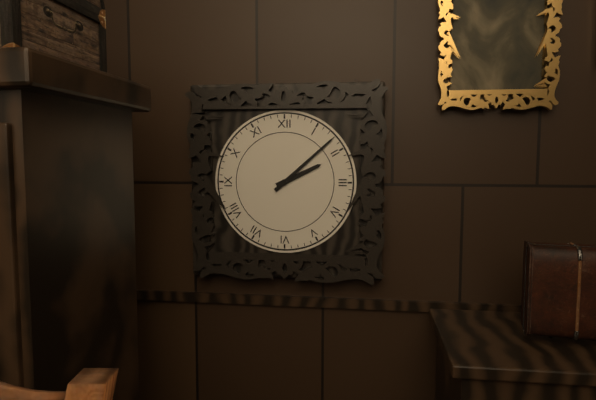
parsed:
2:08
